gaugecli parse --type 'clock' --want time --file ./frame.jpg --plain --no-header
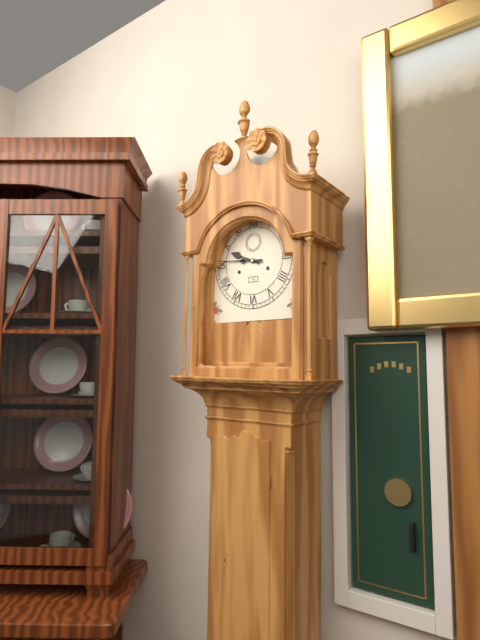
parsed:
9:46
